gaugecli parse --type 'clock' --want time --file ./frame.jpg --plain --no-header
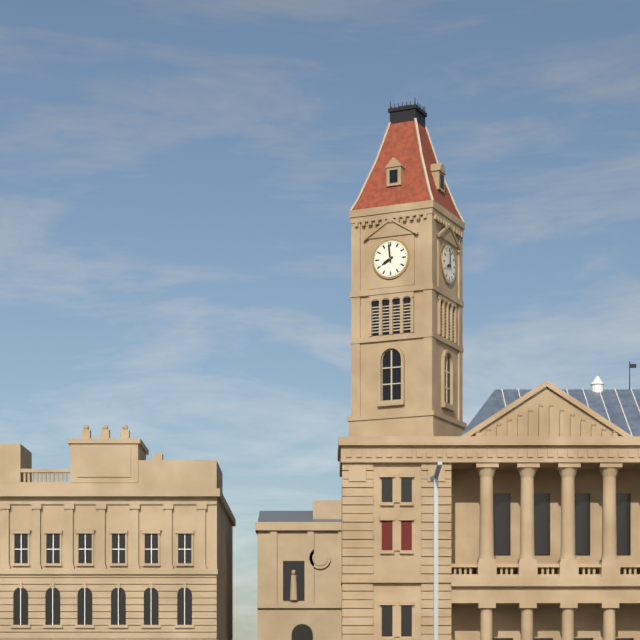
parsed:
7:59
